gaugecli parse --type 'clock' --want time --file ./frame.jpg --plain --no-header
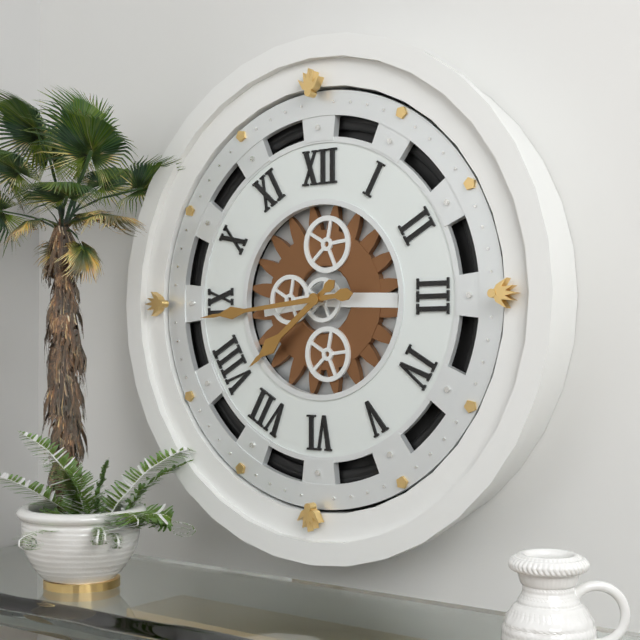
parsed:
7:44
